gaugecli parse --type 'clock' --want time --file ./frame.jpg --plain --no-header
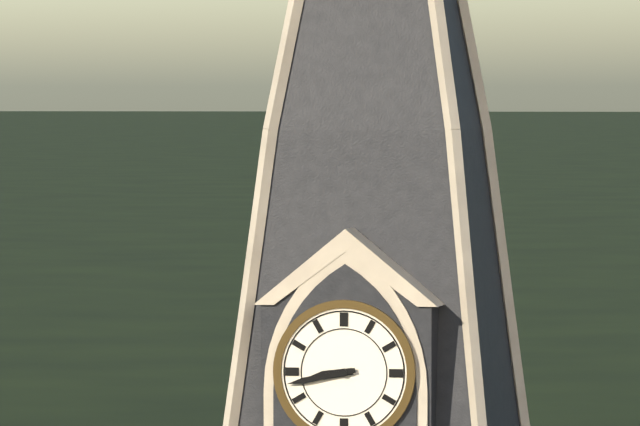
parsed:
8:43
